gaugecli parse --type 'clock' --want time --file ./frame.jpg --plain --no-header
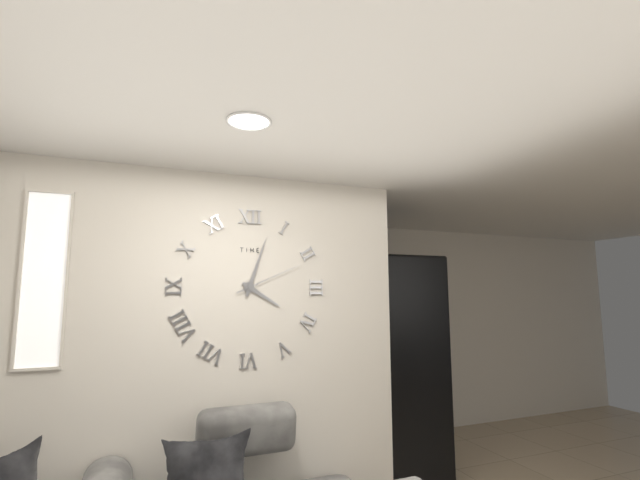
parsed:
4:03:11
